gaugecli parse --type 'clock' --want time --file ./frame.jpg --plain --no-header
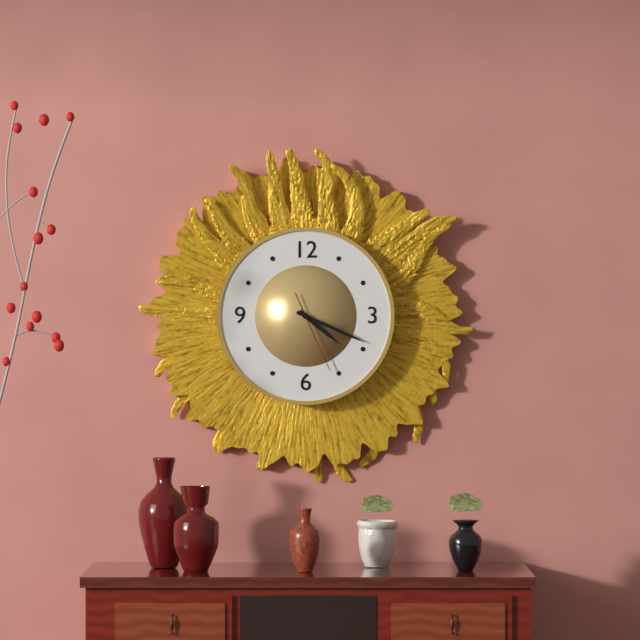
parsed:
4:19:26
